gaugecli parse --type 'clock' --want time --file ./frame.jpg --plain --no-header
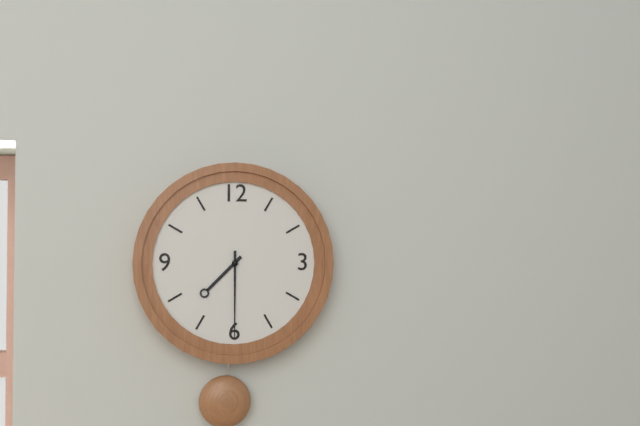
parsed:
7:30
